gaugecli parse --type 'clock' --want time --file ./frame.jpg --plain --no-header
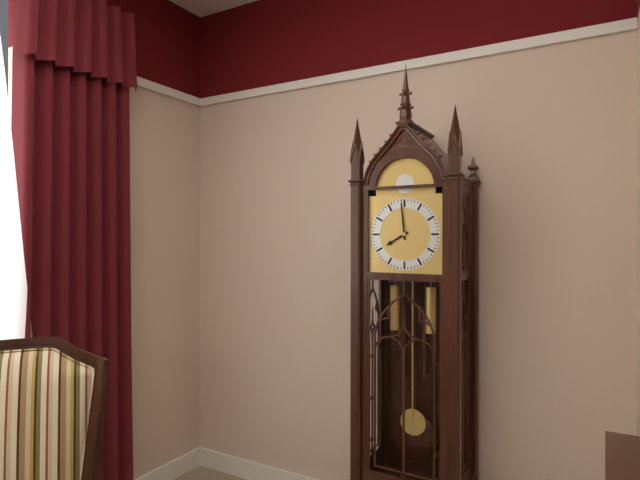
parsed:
7:59
